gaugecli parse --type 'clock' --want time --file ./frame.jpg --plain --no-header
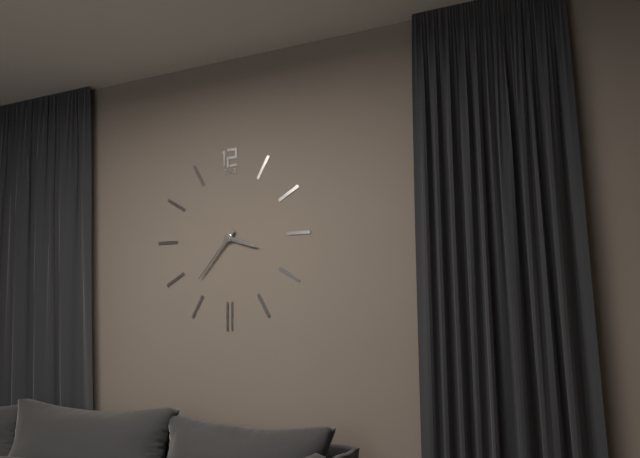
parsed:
3:37
